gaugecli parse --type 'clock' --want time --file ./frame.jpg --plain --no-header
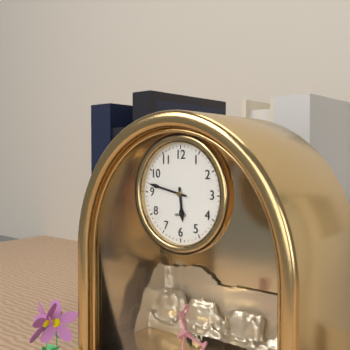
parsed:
5:47
